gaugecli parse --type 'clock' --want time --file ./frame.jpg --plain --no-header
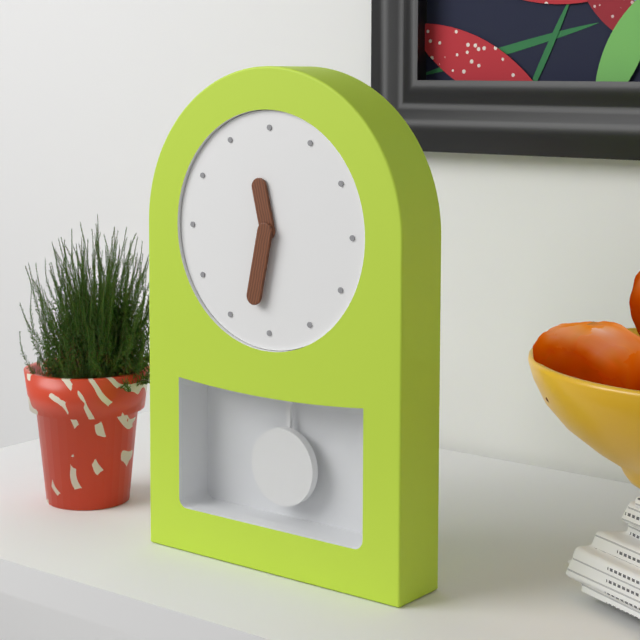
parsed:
11:32
